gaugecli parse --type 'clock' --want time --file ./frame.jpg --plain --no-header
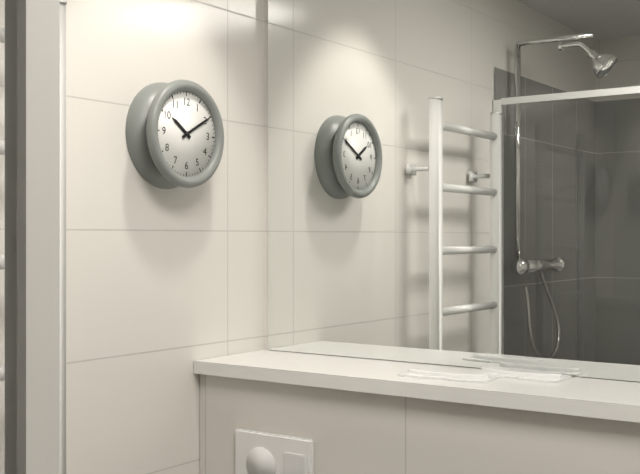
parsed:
10:10
